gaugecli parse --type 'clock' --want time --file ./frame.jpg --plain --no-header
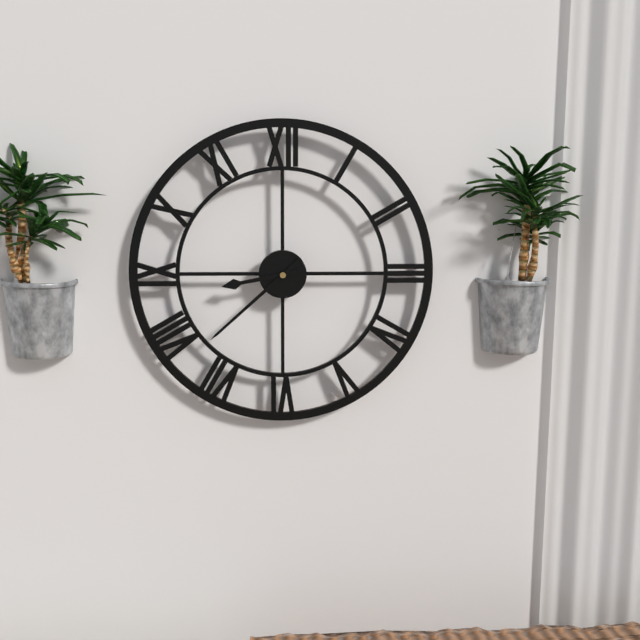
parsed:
8:38
